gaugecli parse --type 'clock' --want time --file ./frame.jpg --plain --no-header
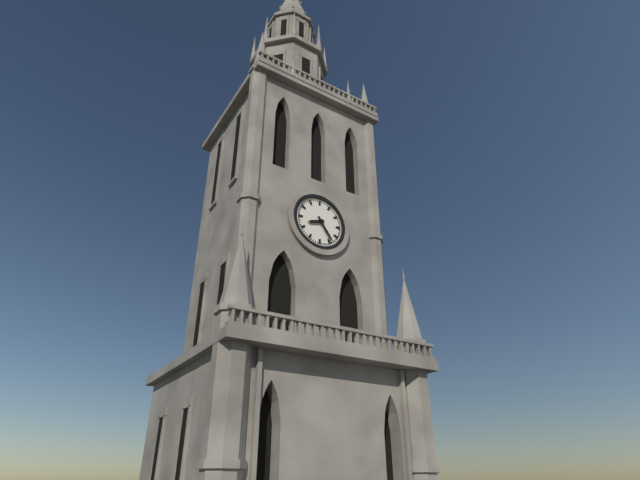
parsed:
8:24
